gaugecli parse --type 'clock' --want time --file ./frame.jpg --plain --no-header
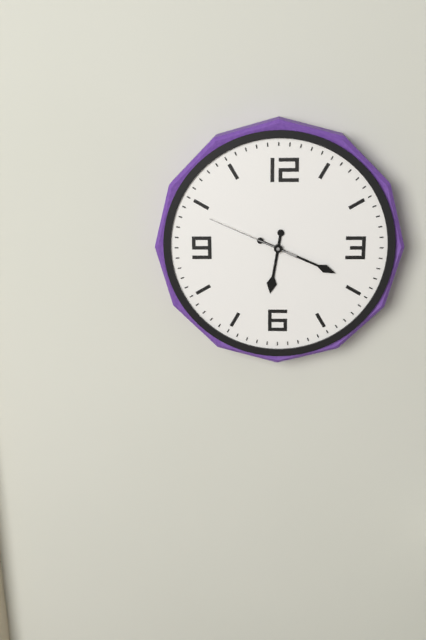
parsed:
6:19:49
